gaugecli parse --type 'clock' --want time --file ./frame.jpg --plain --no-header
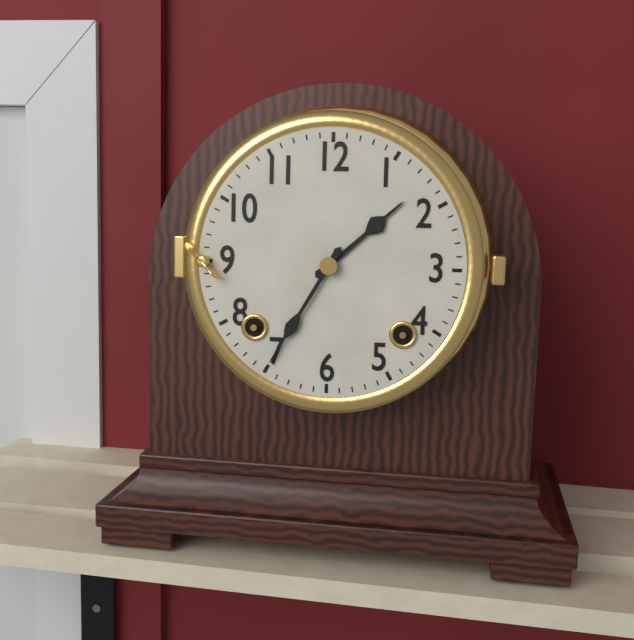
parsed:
1:35
